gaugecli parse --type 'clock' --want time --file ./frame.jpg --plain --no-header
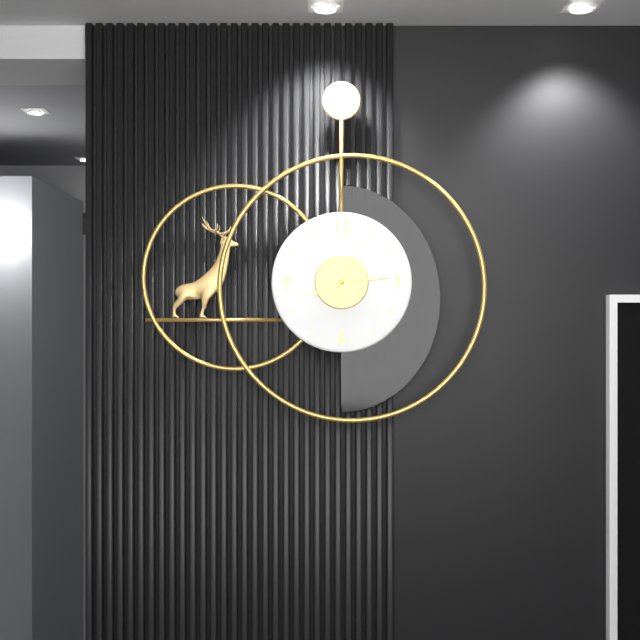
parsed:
8:14:05
